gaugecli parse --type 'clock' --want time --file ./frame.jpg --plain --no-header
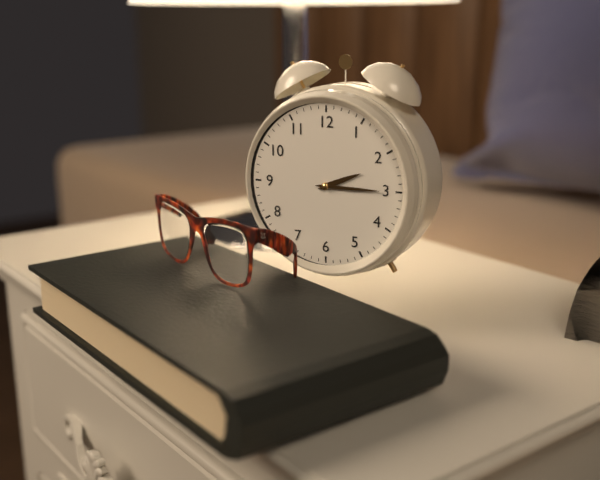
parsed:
2:15
